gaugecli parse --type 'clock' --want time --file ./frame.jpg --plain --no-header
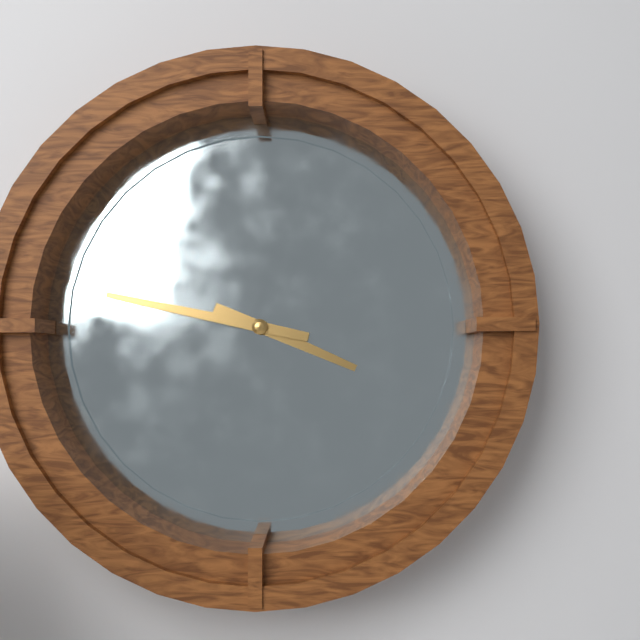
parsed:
3:47
